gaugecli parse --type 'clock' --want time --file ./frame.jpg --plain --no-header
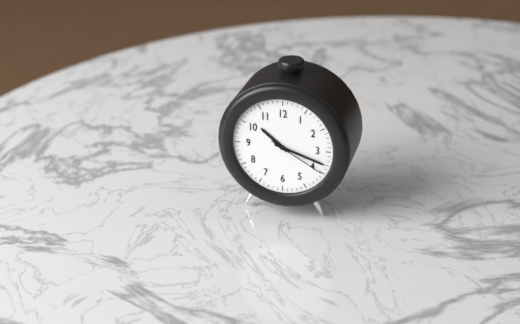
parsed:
10:18:20
